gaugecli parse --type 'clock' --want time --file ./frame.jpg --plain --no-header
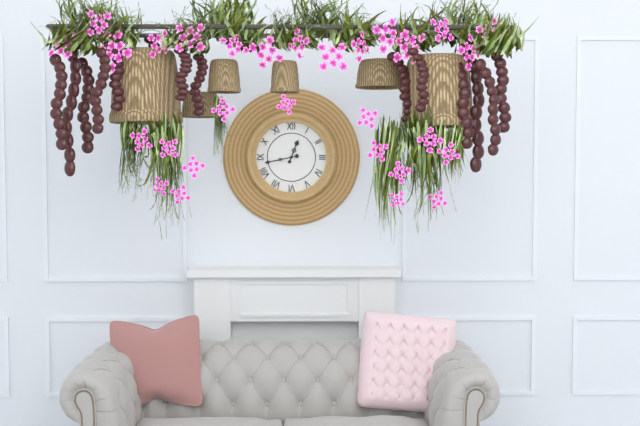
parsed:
12:43
